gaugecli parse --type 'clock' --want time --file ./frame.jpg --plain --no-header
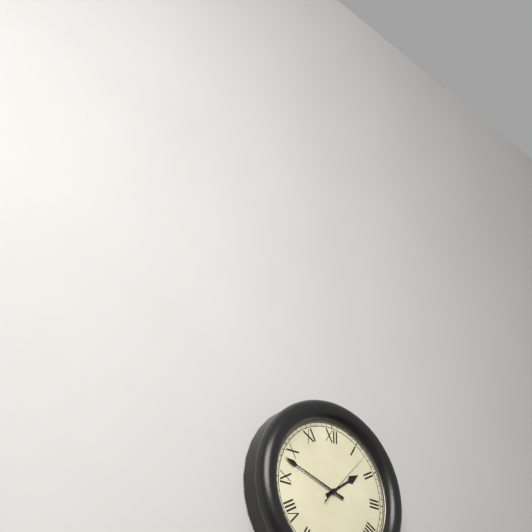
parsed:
1:48:07
